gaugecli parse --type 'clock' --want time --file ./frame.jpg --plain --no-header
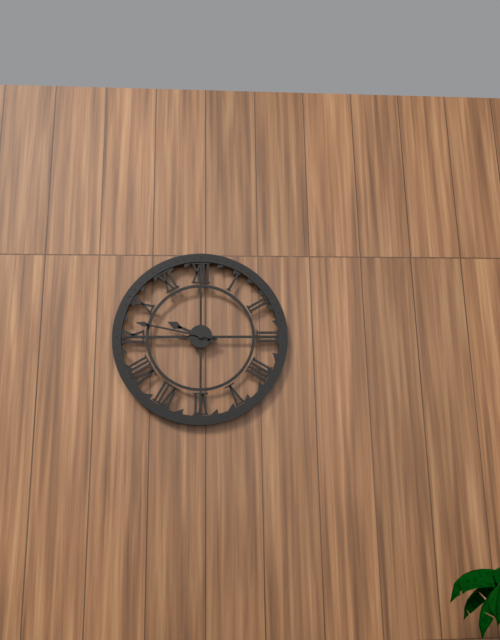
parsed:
9:47
